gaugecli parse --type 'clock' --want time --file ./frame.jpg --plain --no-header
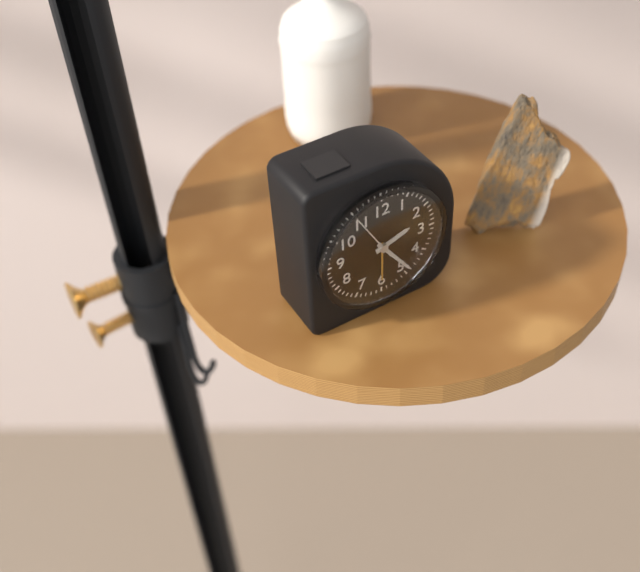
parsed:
2:24:55
